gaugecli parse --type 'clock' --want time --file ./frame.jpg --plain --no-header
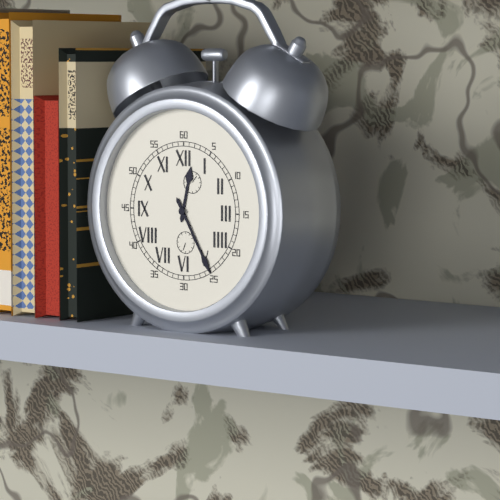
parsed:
12:25
